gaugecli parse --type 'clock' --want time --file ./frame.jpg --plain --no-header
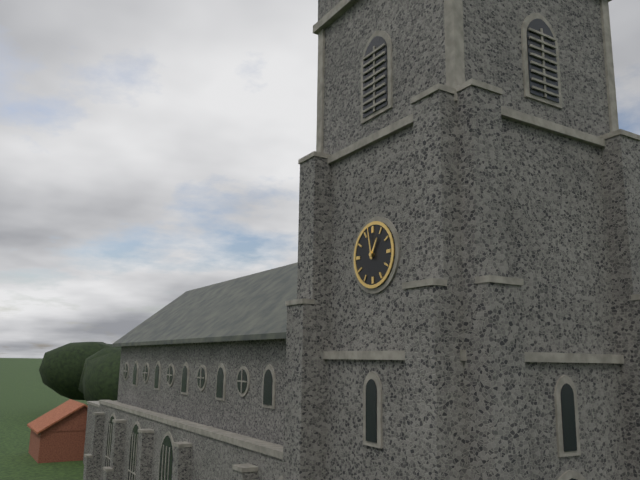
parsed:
12:58
